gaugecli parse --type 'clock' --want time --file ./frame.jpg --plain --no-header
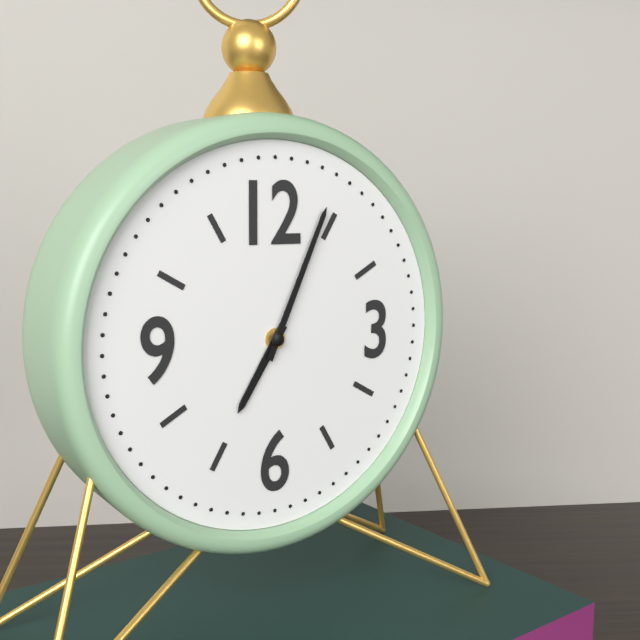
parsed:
7:04
